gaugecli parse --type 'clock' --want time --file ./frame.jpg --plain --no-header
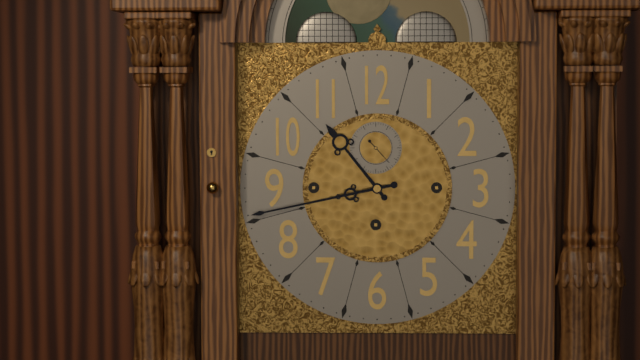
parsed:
10:43
